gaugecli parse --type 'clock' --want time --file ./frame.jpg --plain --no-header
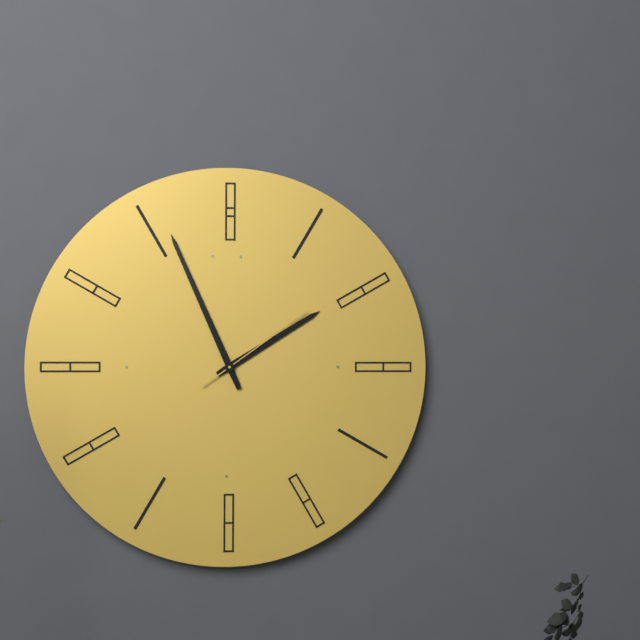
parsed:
1:56:09
